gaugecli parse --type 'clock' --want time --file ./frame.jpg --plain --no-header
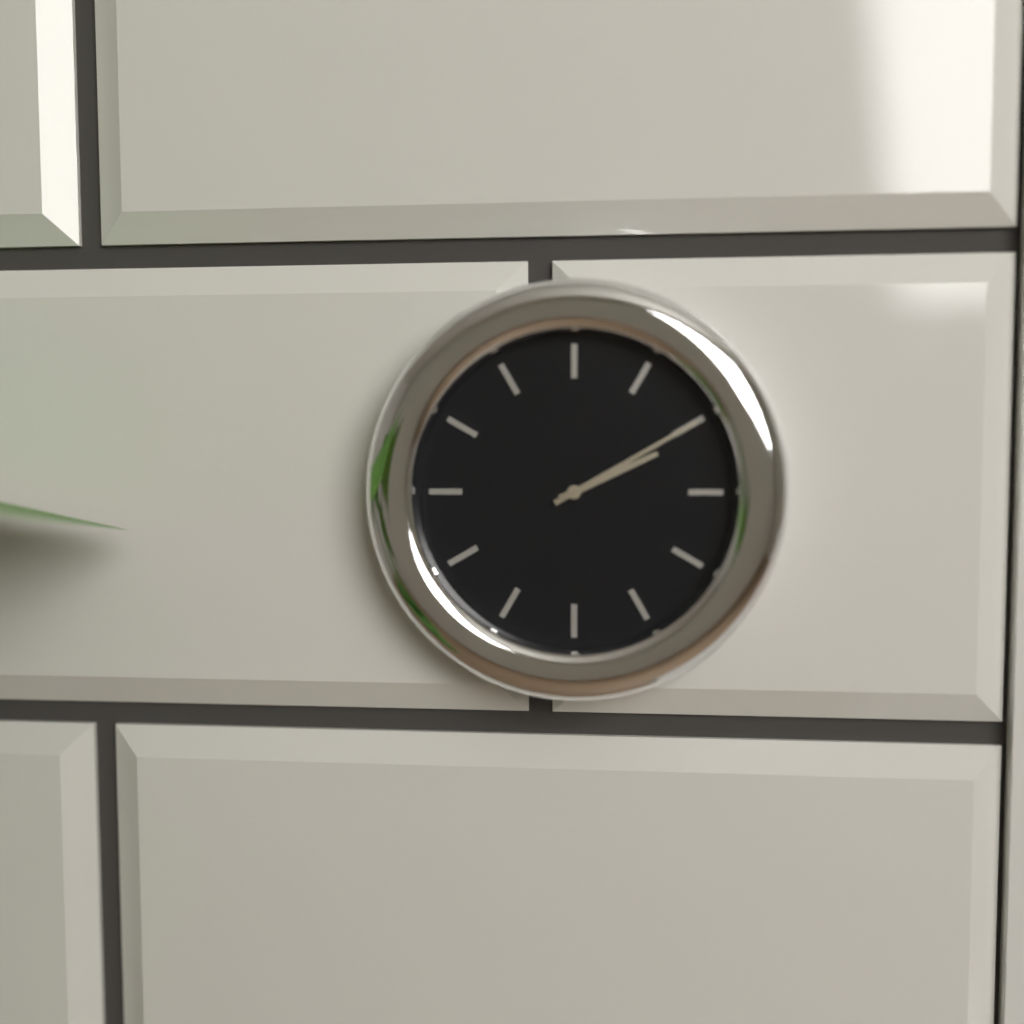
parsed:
2:10
